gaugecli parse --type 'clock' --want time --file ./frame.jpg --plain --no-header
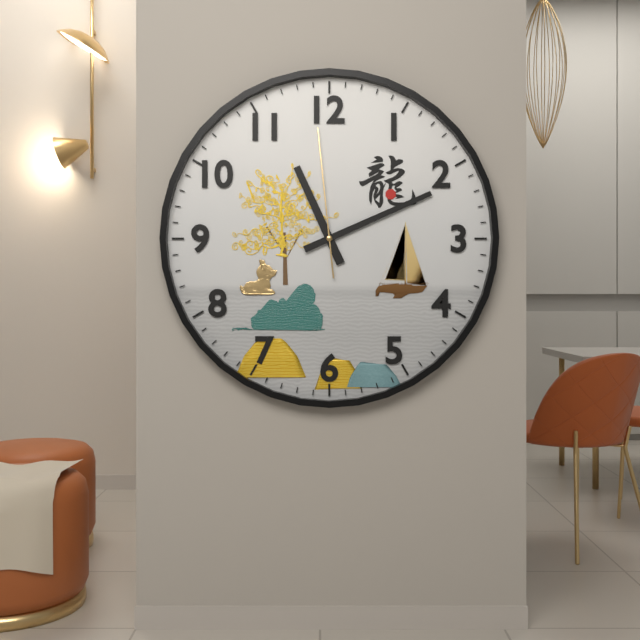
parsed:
11:11:59
